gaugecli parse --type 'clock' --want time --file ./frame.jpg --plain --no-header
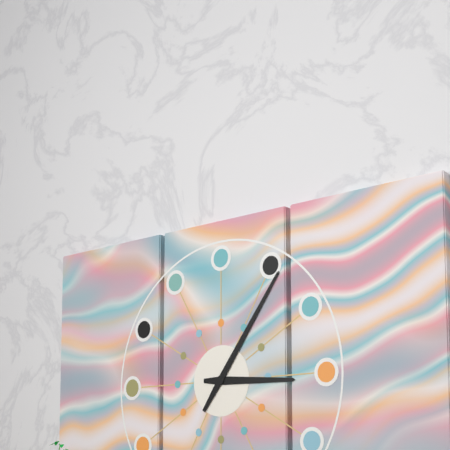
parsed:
3:06
